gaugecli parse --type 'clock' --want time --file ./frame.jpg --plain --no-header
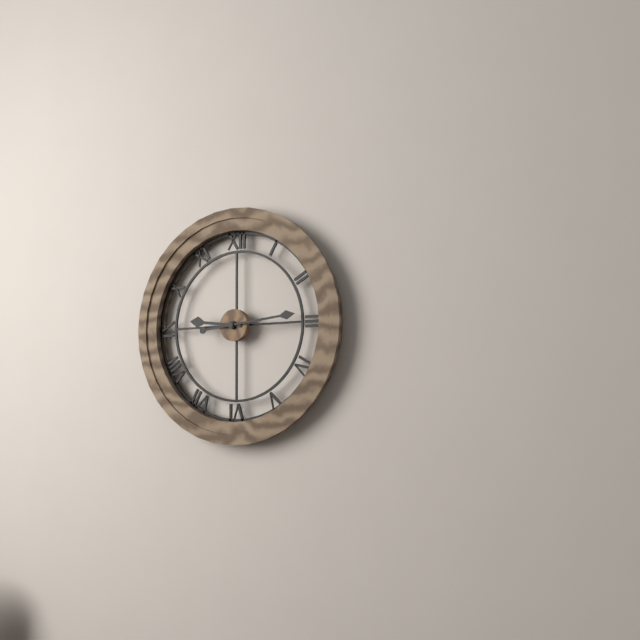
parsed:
9:14
